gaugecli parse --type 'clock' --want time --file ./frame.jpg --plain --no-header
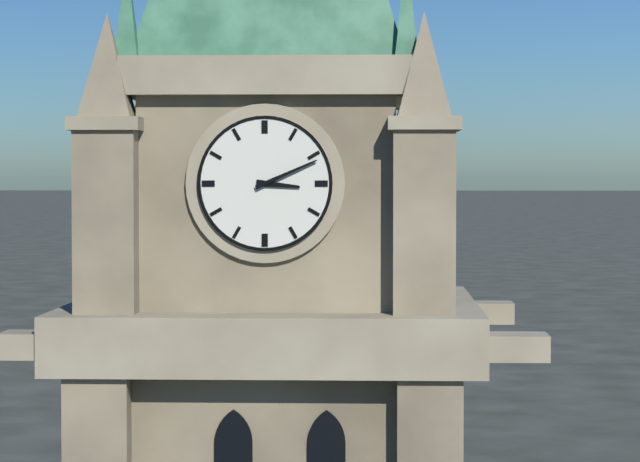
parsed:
3:11
